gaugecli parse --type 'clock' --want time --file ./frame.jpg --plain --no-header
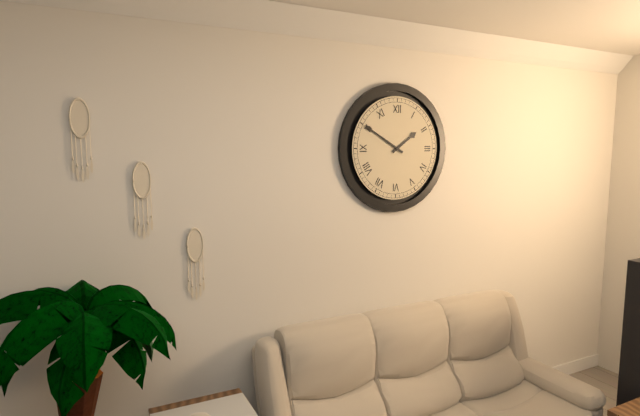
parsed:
1:50
